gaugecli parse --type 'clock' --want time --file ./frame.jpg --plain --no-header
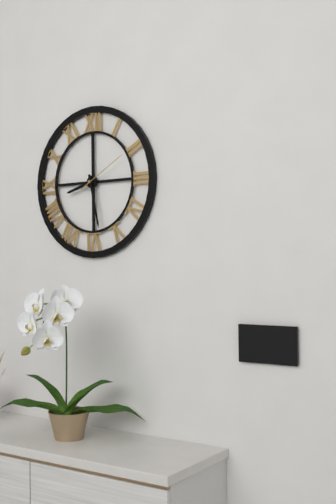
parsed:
8:28
